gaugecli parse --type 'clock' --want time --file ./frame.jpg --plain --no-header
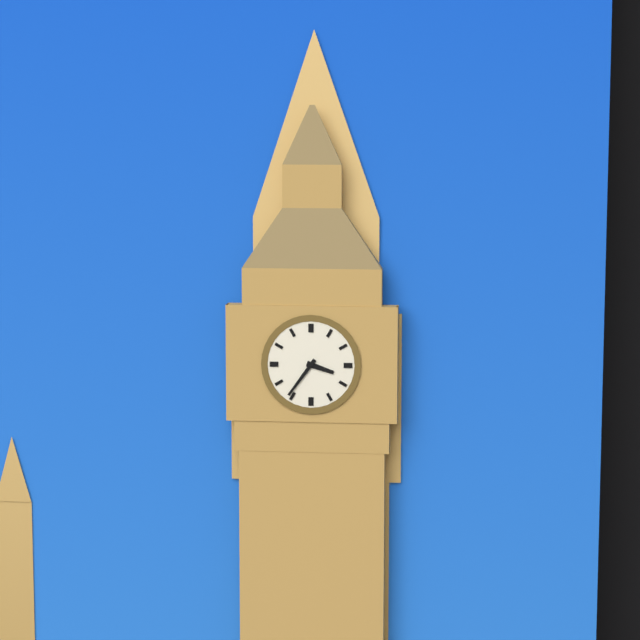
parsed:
3:36
